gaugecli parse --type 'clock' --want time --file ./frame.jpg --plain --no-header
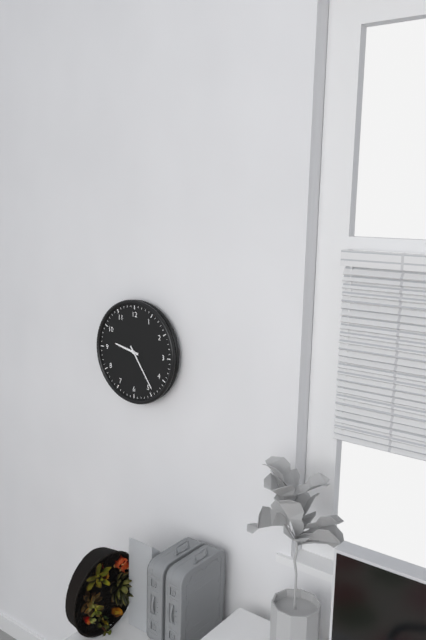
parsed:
9:24
